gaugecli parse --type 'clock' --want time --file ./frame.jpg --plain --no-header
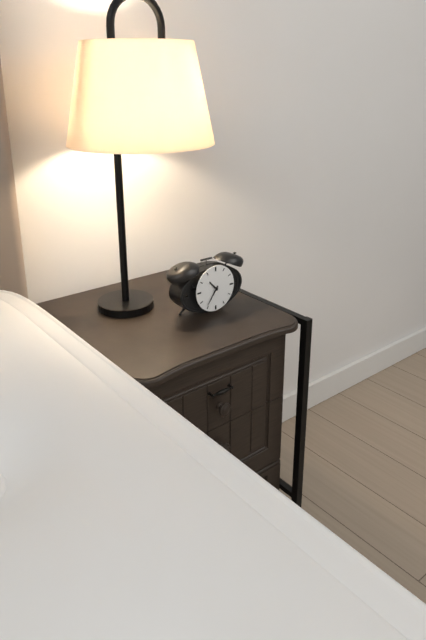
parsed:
10:36
